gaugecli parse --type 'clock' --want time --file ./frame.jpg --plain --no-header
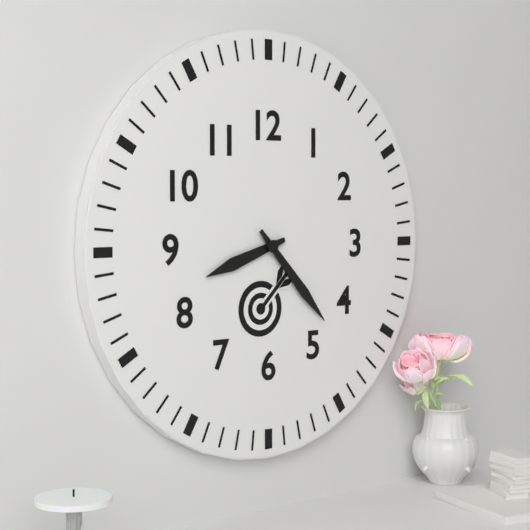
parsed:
8:23
